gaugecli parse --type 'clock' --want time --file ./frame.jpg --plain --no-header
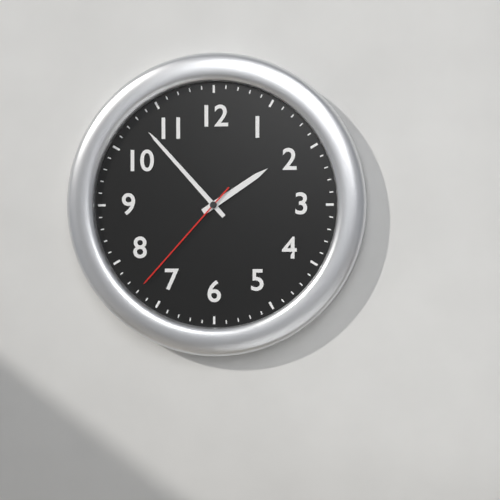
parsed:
1:53:37
